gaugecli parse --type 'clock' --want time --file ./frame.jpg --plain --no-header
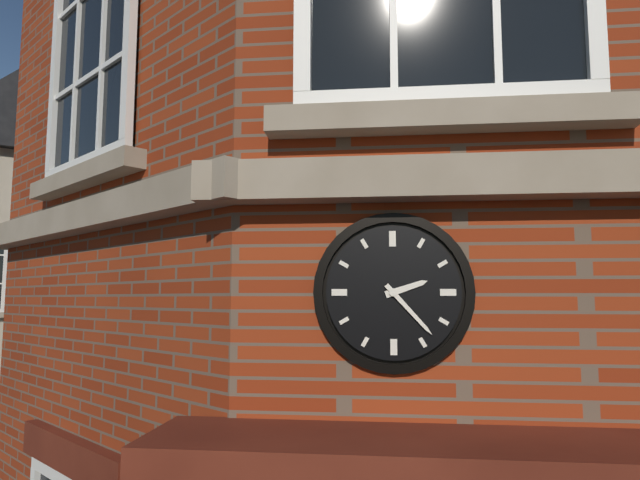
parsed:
2:23
